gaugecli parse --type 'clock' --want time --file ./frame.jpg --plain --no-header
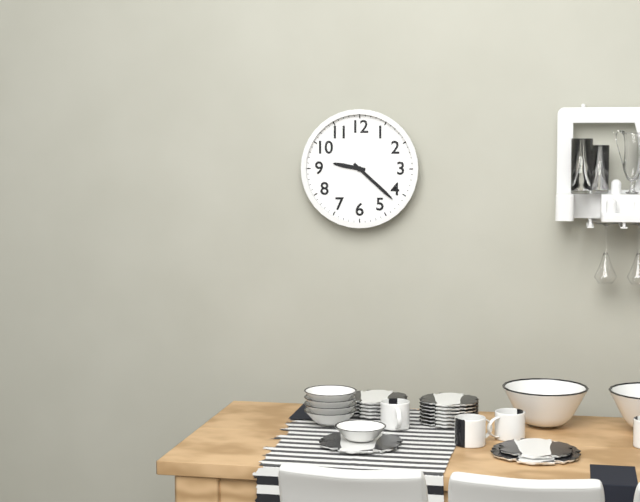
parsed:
9:22
